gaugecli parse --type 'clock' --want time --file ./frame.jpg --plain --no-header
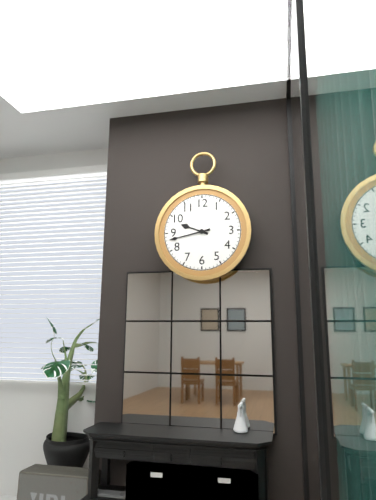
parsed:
9:43
